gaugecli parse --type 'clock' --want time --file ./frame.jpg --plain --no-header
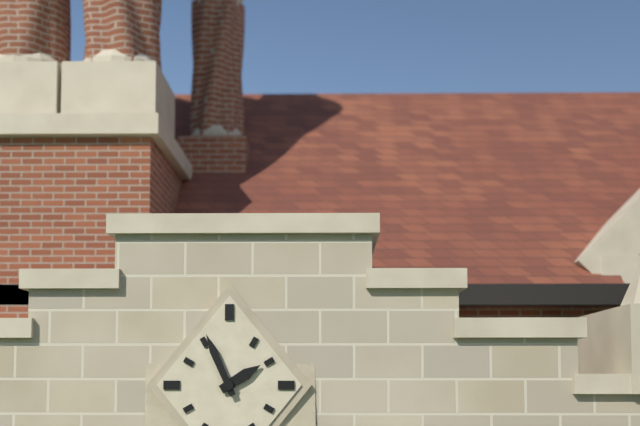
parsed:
1:56
